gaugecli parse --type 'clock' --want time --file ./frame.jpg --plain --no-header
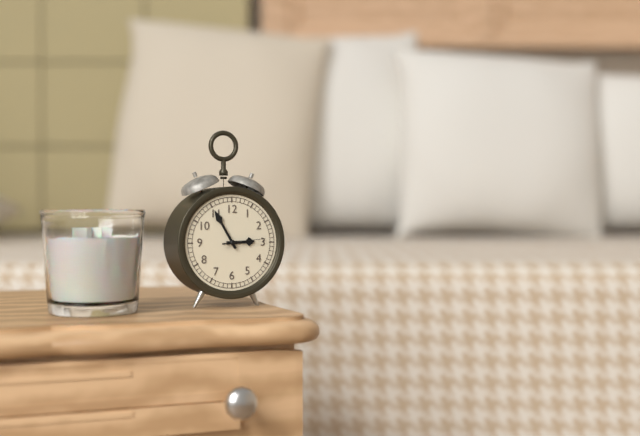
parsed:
2:55
